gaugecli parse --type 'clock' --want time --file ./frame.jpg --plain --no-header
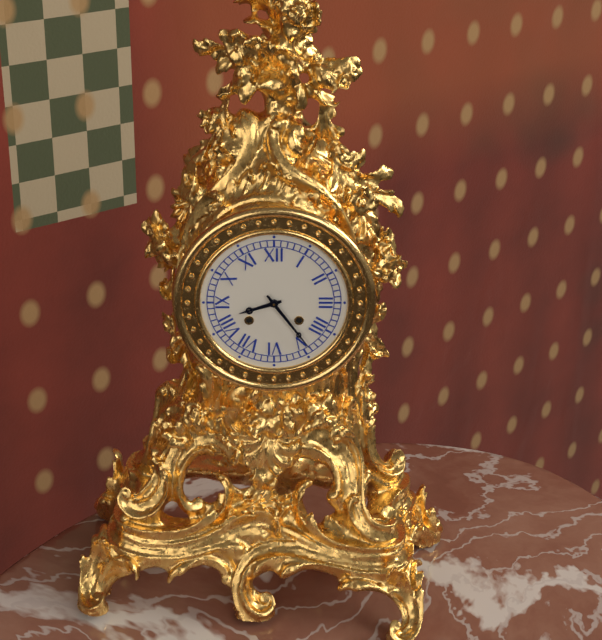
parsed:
8:24
